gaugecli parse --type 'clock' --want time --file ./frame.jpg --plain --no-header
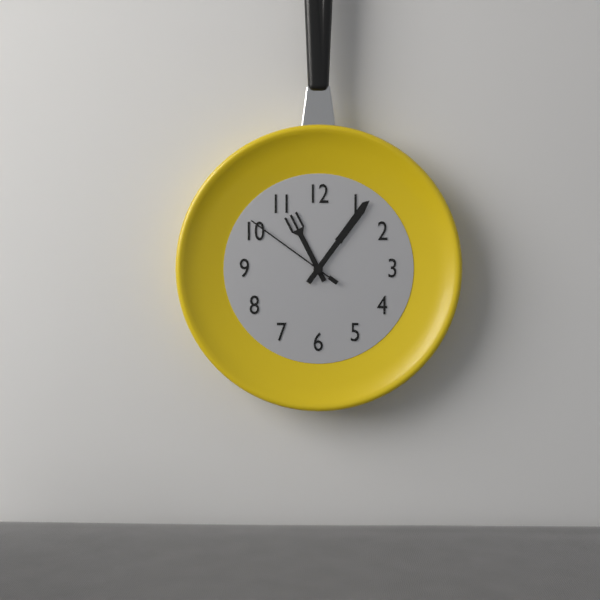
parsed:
11:06:51
